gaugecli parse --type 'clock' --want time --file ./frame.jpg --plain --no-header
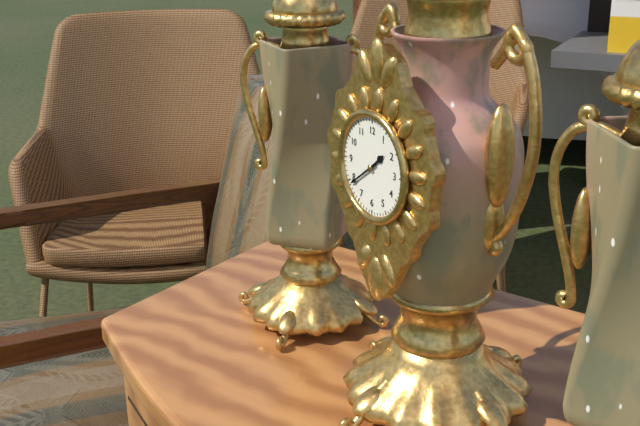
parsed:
1:39
